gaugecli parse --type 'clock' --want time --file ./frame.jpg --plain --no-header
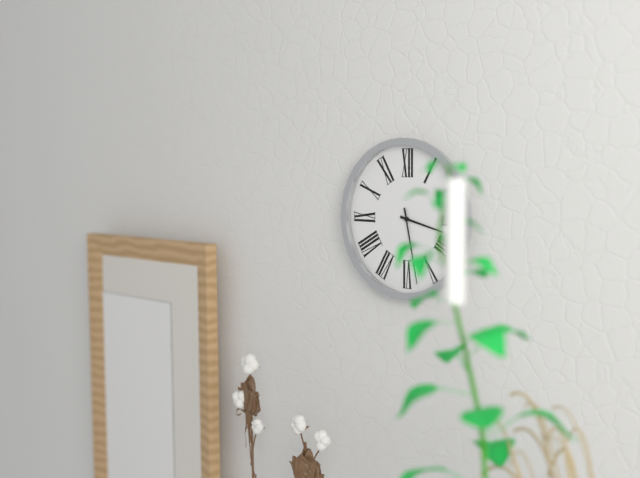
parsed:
3:28
